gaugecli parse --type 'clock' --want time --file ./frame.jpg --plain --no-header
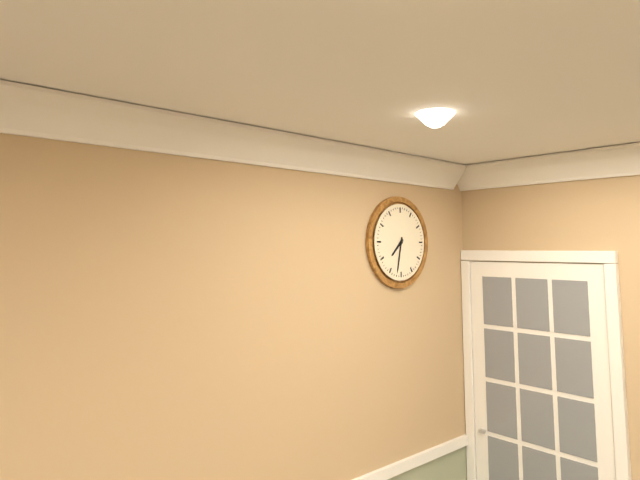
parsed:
7:32
